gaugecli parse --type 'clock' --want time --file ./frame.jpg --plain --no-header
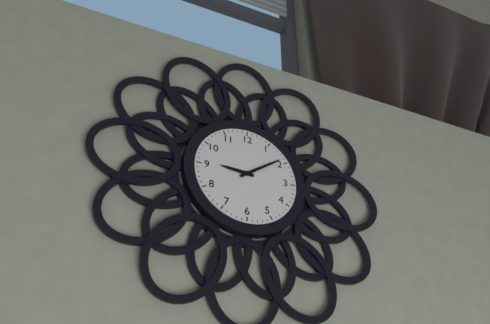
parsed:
9:09
